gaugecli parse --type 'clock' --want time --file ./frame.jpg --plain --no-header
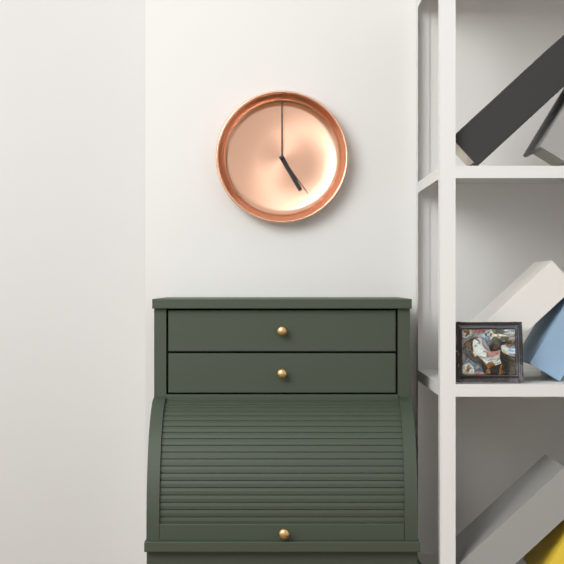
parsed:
5:00:24
